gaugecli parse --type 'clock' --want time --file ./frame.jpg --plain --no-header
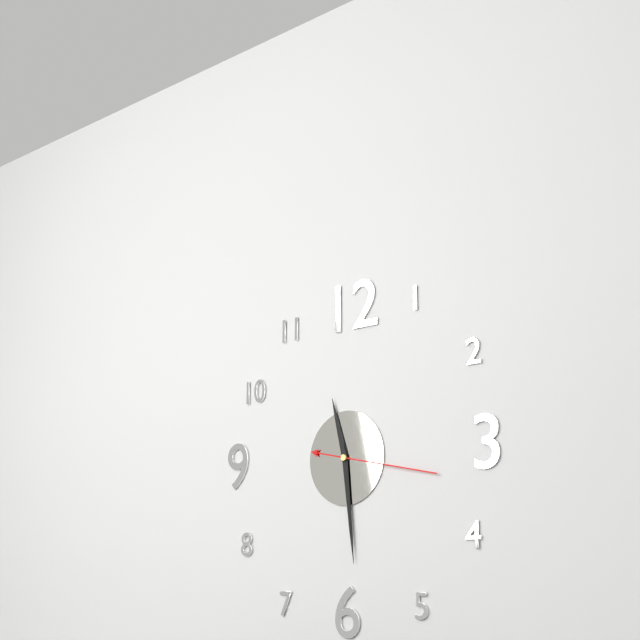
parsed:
11:29:17
